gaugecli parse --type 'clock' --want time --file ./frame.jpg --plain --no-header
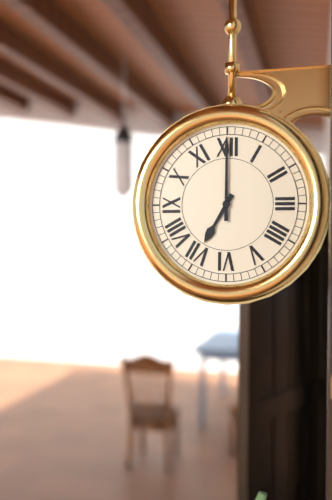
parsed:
7:00
